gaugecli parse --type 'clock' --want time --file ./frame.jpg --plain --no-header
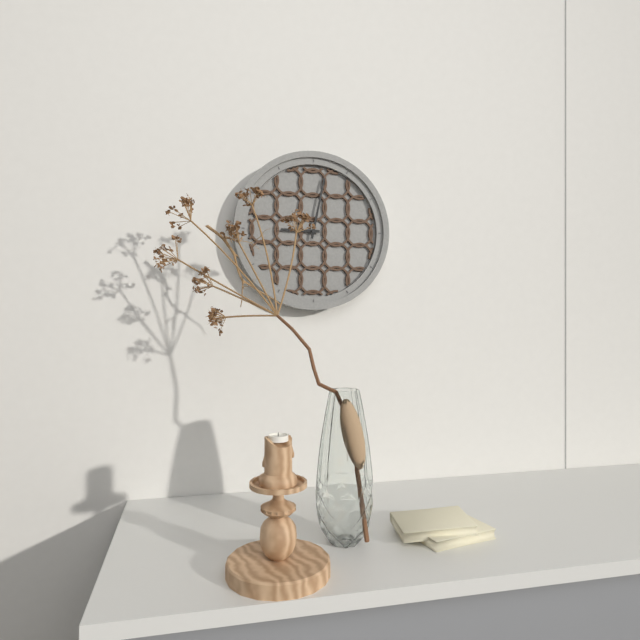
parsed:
9:02
